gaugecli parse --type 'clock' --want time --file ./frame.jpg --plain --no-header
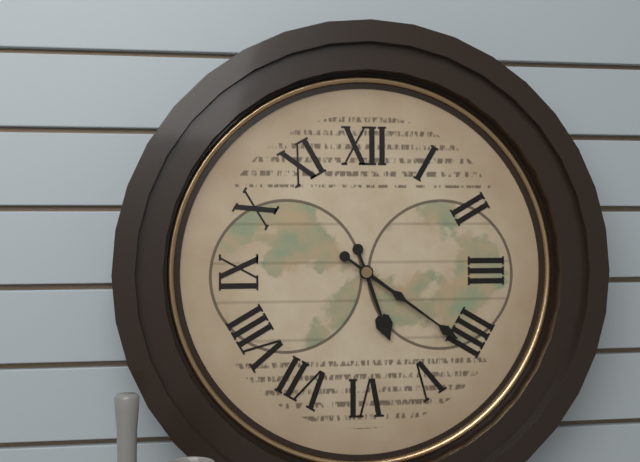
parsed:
5:21
